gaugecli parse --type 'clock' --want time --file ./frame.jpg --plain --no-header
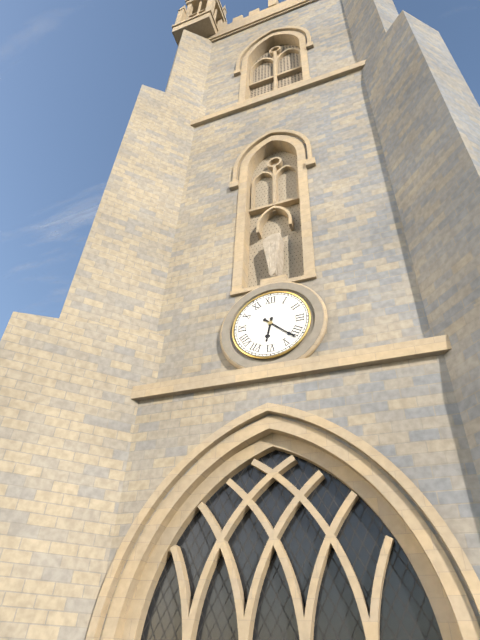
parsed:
6:22
